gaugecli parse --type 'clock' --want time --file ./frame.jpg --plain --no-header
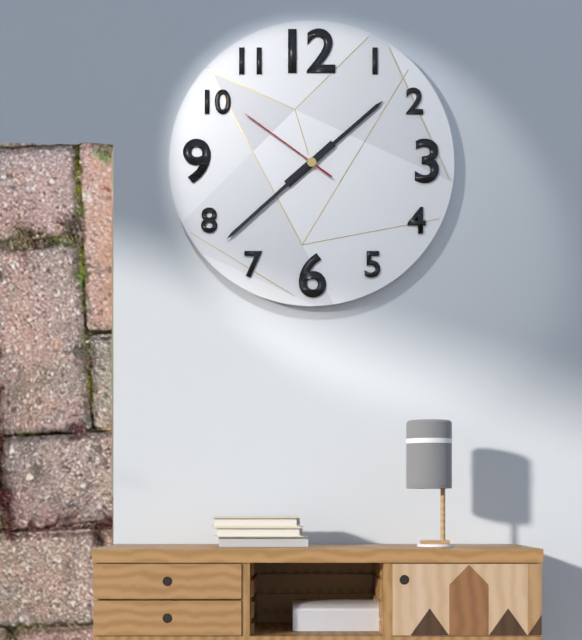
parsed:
1:38:51
